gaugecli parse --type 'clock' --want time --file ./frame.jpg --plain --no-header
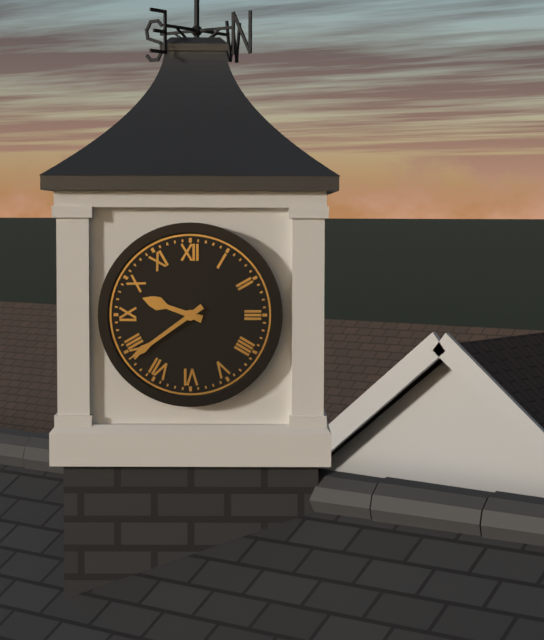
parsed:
9:39
